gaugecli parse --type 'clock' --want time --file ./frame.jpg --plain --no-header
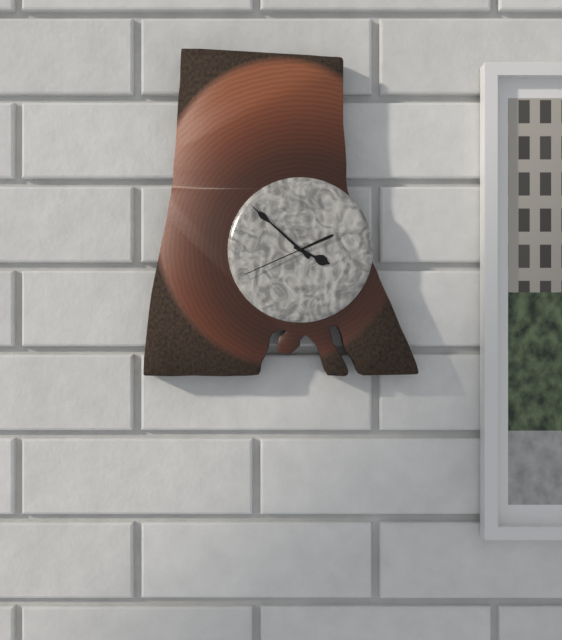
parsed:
3:52:41
